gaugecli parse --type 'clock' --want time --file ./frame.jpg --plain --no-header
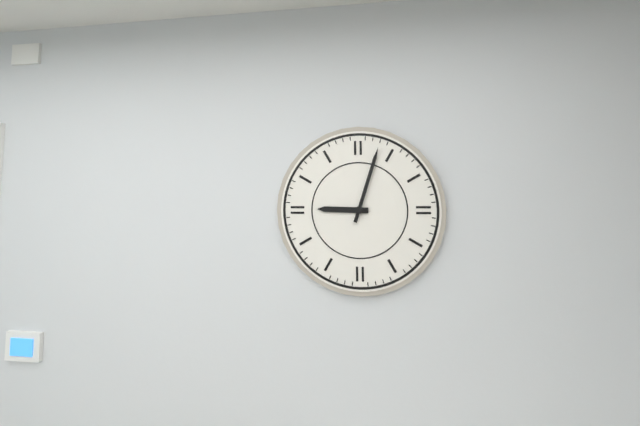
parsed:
9:03
